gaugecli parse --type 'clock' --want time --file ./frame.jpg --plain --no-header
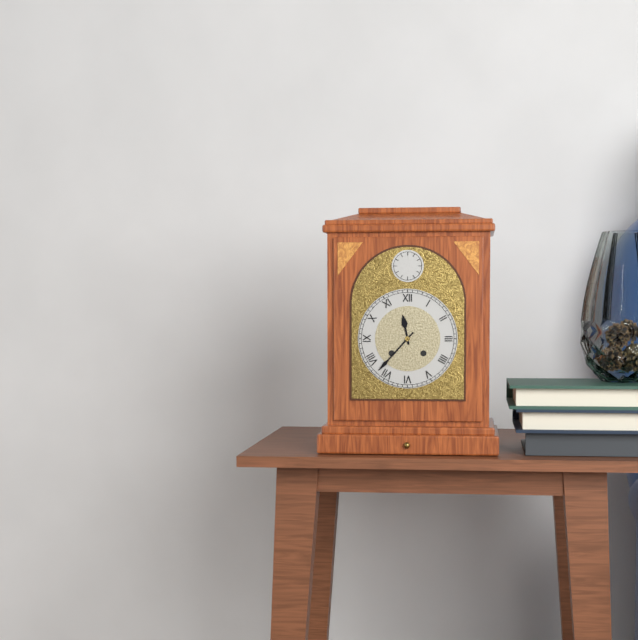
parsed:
11:37
